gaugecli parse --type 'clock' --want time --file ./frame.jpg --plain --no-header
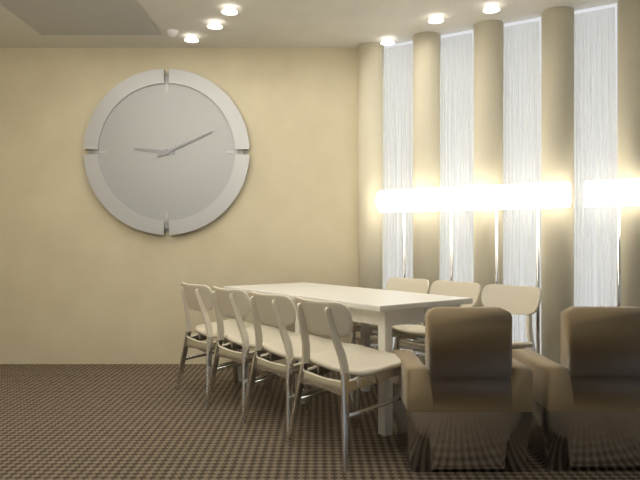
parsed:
9:11
